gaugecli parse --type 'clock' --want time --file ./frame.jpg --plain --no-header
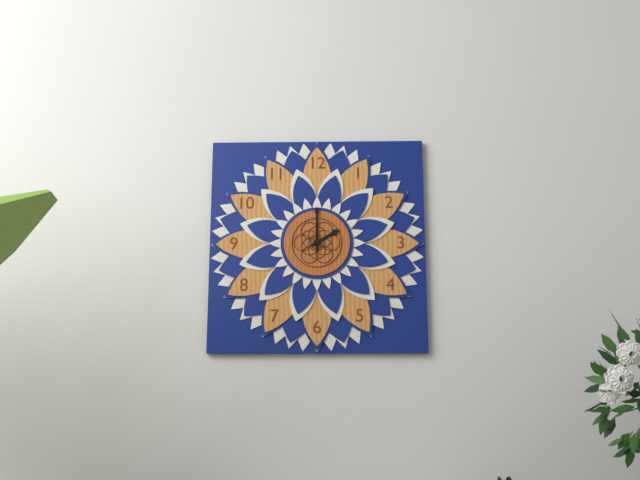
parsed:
2:00
